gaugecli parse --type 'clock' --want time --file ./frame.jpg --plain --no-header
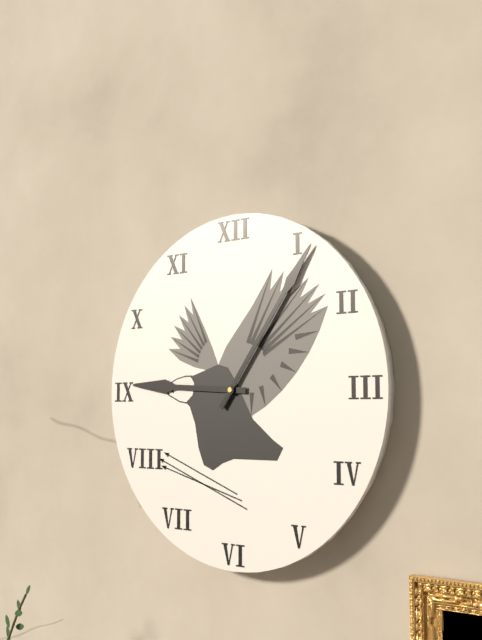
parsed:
9:06
